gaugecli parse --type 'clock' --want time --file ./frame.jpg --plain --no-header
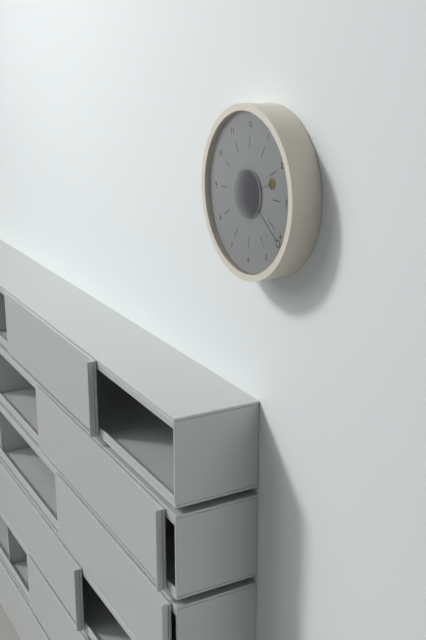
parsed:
2:21
